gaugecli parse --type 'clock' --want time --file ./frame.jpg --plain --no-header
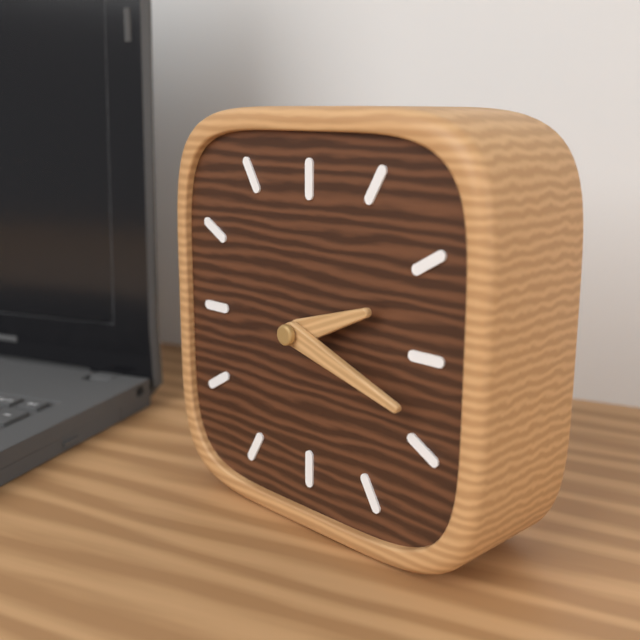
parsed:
2:18
